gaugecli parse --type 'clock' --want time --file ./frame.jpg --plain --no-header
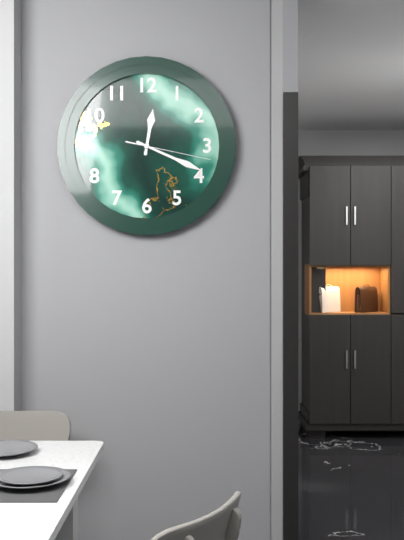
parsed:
12:19:17
